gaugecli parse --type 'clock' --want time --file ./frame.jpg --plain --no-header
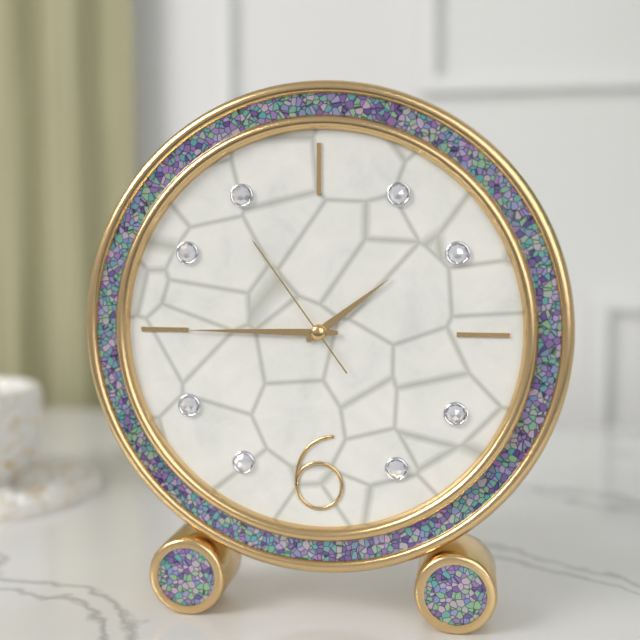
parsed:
1:45:54
